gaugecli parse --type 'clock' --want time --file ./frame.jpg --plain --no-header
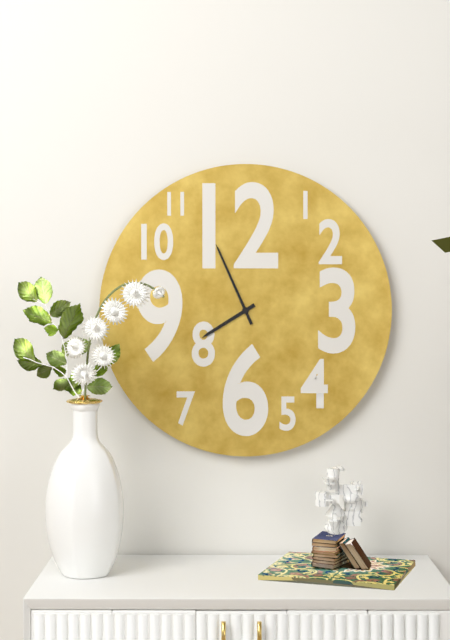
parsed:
7:56
